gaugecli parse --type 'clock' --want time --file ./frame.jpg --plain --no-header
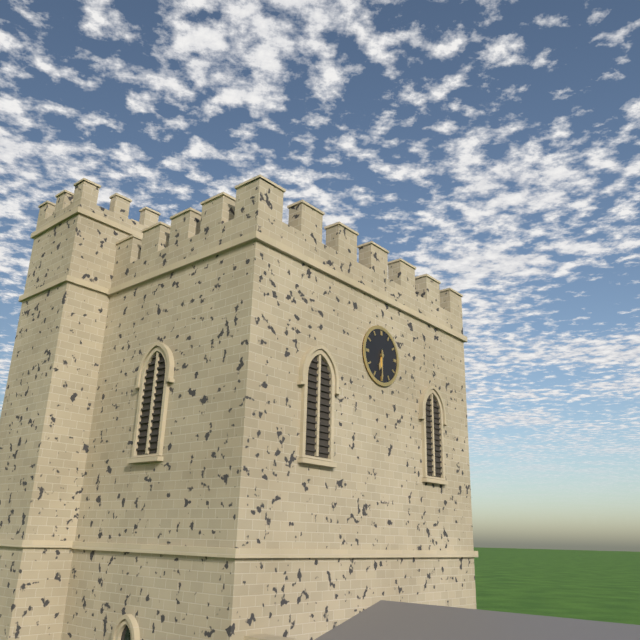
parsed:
6:30
